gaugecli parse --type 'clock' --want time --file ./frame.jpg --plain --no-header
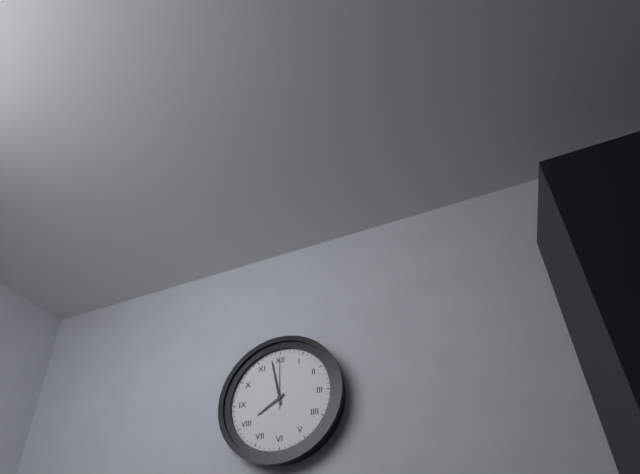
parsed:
7:58:00
